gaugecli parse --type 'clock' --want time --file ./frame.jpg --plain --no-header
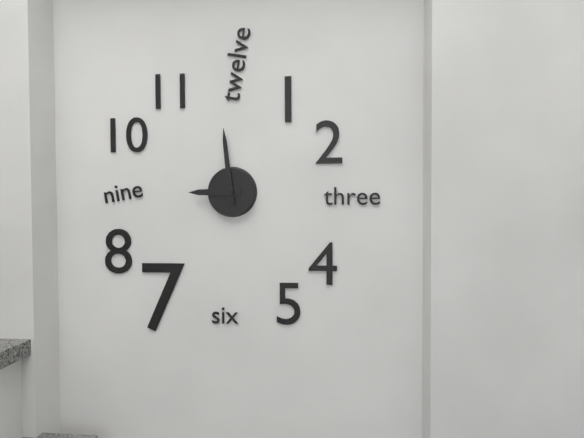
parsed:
8:59
